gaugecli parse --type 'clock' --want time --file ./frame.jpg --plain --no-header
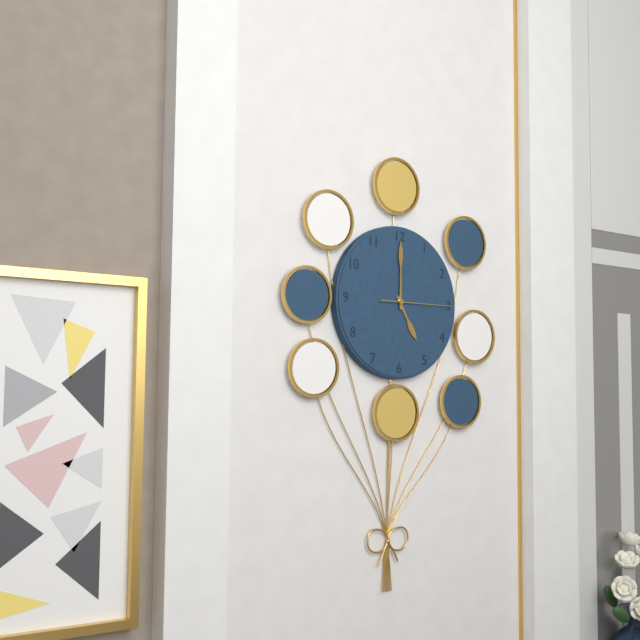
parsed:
5:00:15
